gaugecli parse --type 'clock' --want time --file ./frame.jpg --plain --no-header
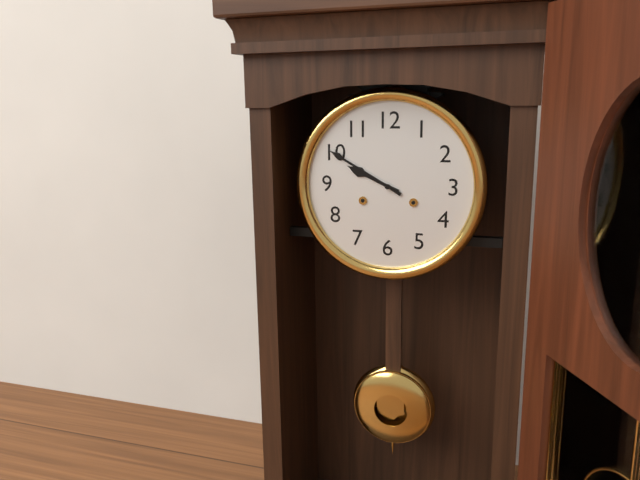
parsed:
9:50
